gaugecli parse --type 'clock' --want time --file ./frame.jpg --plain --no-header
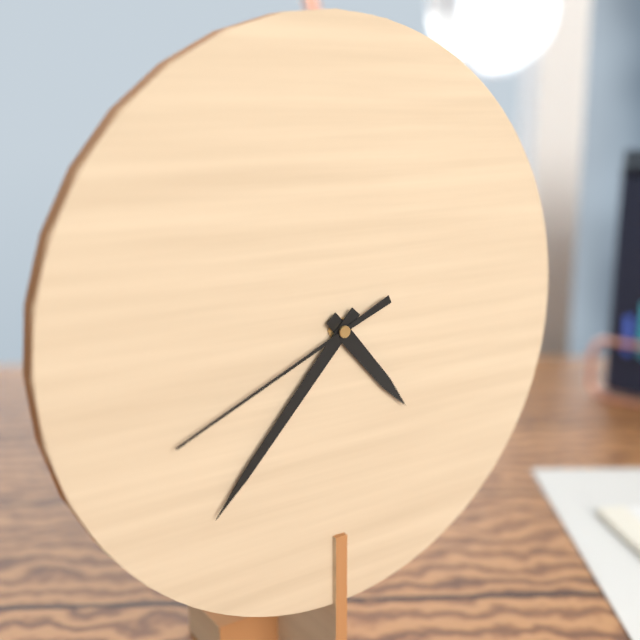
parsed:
4:37:41
